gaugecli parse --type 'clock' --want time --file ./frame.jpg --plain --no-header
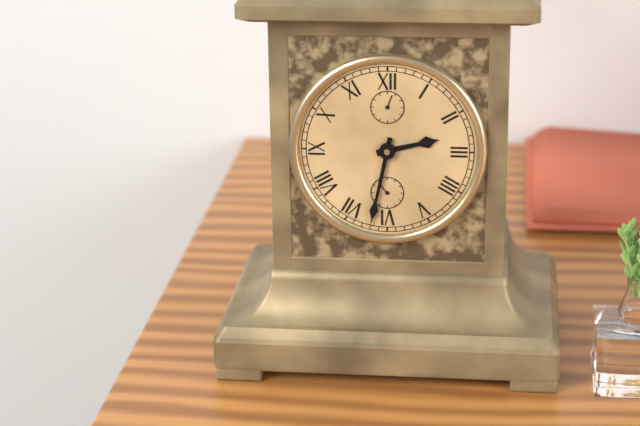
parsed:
2:32
